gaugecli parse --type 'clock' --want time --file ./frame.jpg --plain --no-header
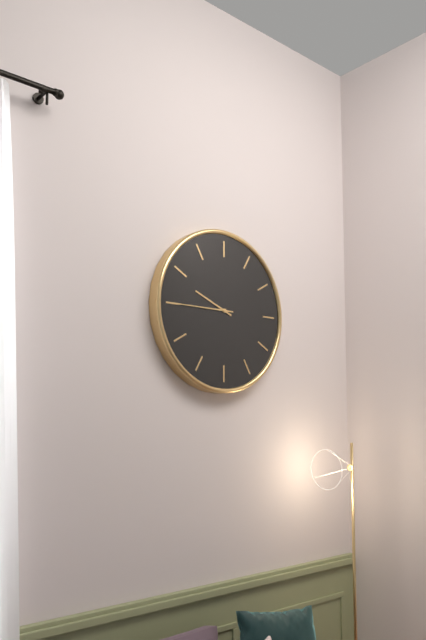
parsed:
9:45
